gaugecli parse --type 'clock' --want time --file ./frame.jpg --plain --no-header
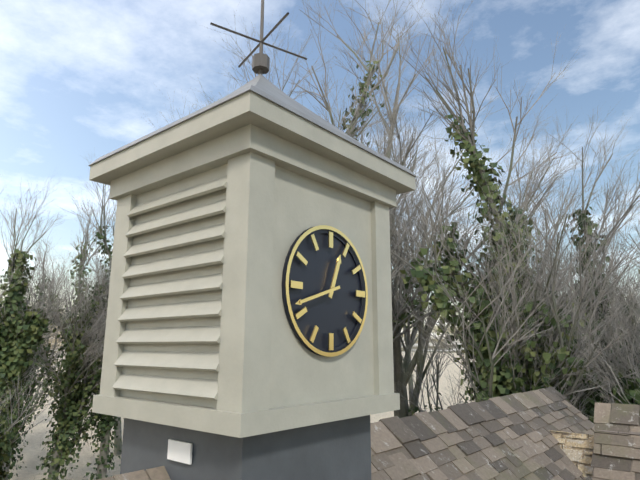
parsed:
12:42
